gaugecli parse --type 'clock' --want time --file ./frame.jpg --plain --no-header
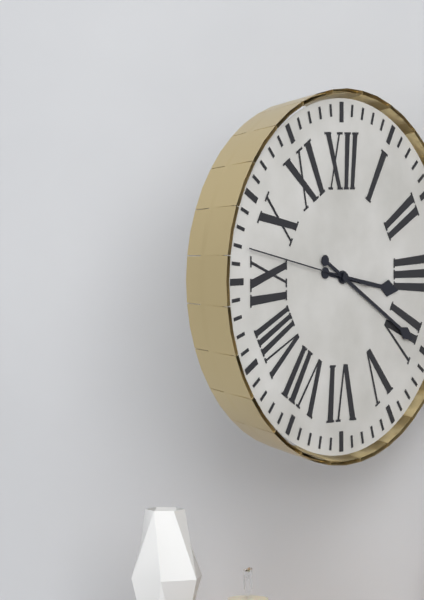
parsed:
3:20:47
